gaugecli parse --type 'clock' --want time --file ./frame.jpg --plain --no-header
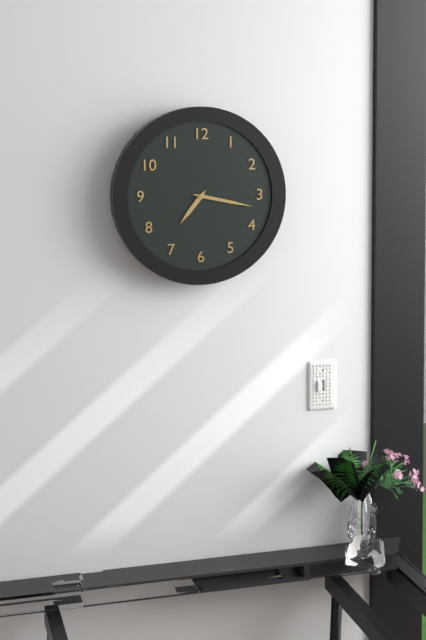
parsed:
7:17
